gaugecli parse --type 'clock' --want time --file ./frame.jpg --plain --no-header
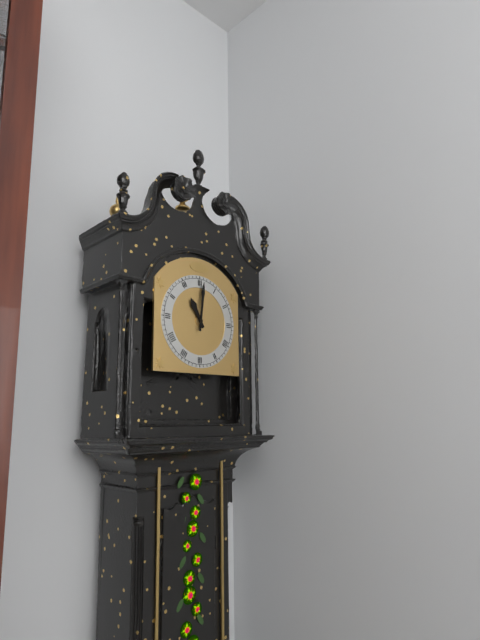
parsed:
11:01
